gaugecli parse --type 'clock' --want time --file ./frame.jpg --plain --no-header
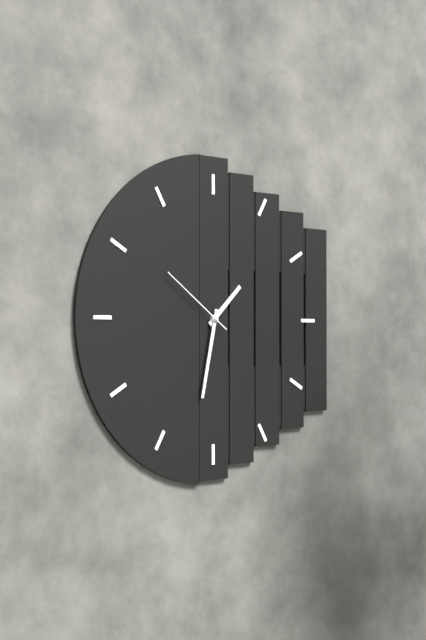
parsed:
1:32:51
